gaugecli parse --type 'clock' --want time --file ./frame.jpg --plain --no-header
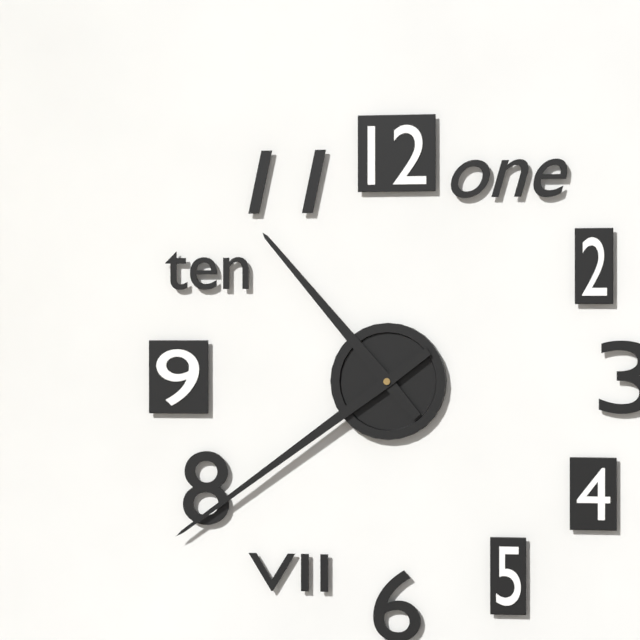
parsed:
10:39
